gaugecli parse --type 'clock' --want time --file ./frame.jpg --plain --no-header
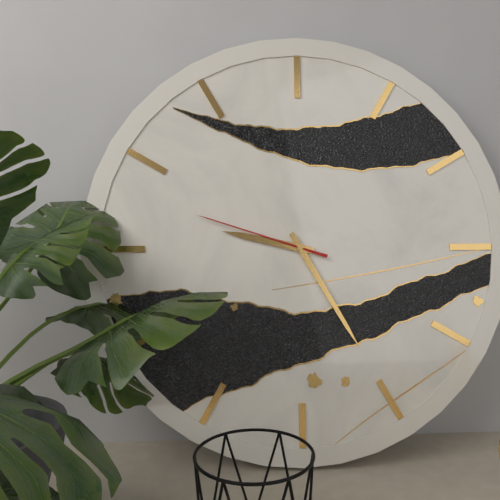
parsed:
9:25:48
